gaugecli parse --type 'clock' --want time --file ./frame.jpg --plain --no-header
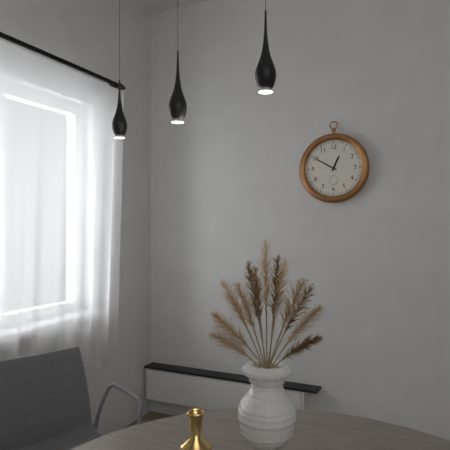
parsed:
12:50
